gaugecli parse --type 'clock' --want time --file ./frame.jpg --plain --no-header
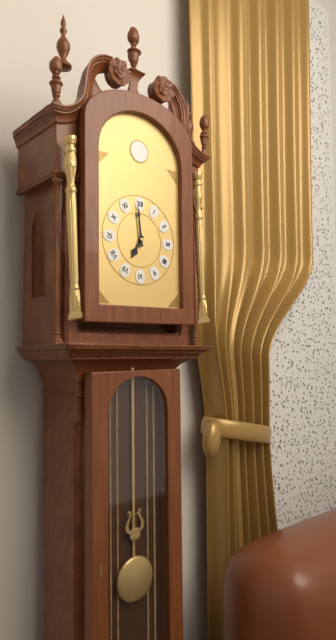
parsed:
6:59
